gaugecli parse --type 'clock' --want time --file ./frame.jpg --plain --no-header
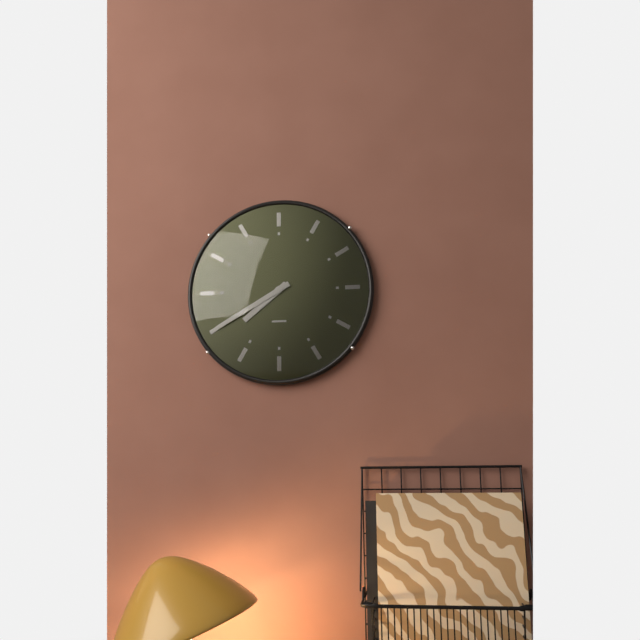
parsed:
7:40
